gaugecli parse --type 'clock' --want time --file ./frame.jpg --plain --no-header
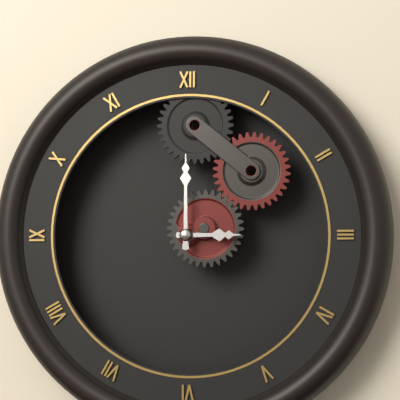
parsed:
3:00
